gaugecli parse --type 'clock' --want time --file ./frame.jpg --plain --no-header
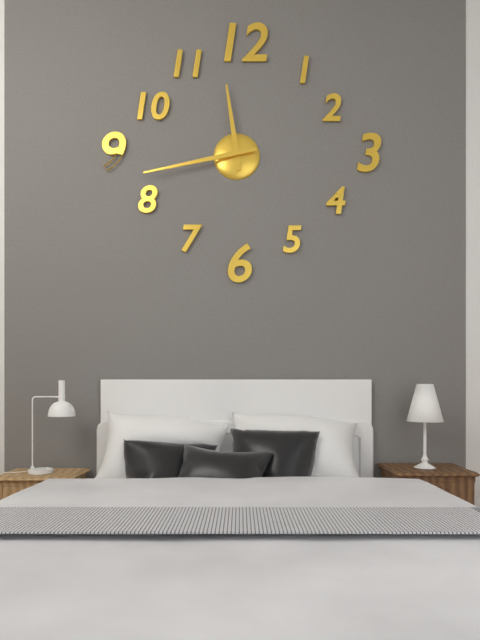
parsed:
11:43
